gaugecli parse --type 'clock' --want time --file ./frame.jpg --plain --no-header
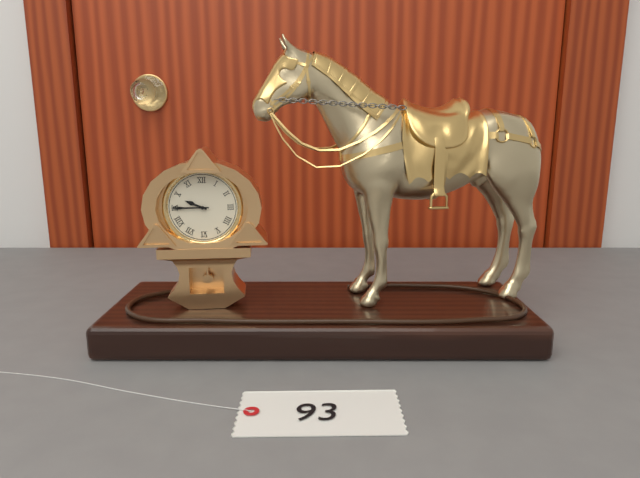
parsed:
9:45
